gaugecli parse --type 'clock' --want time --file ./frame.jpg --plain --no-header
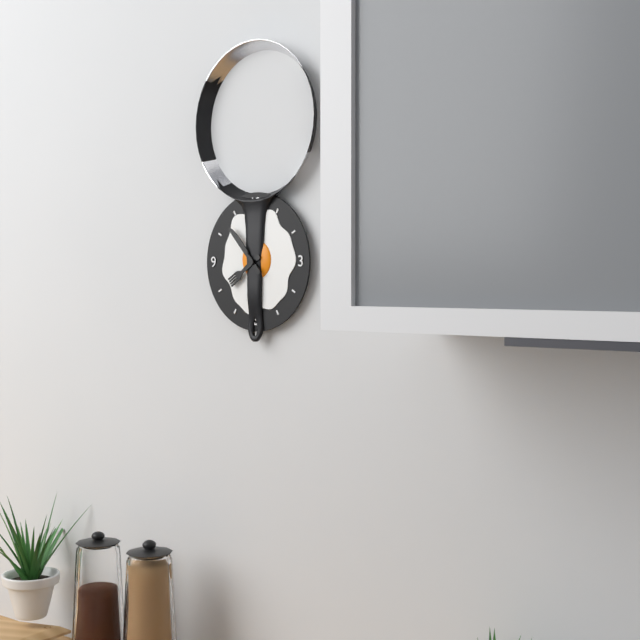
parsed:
7:53
